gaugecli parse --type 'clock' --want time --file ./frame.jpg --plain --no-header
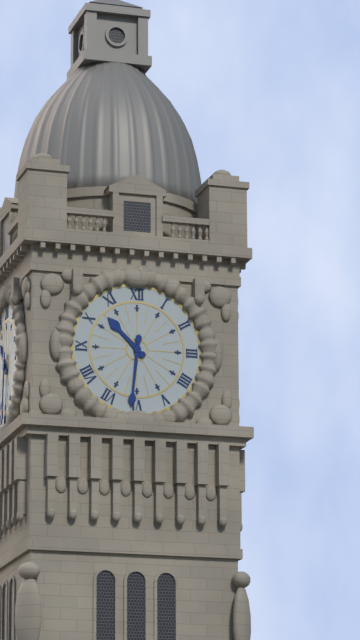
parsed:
10:31
